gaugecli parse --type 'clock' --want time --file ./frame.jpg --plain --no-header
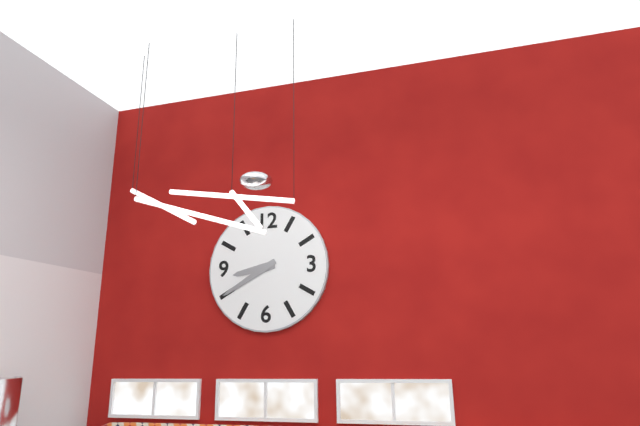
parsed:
8:40
